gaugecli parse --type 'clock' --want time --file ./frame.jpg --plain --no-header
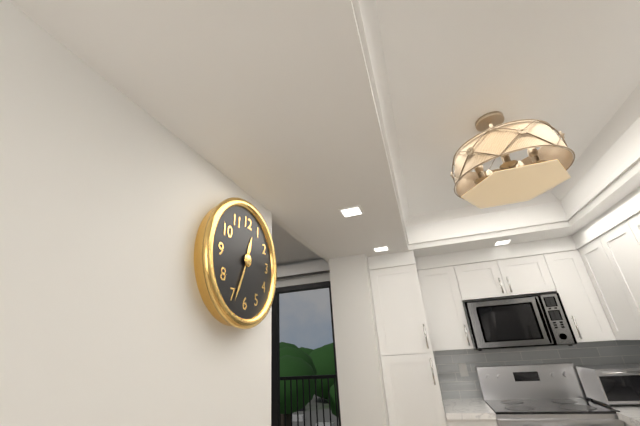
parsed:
12:34
